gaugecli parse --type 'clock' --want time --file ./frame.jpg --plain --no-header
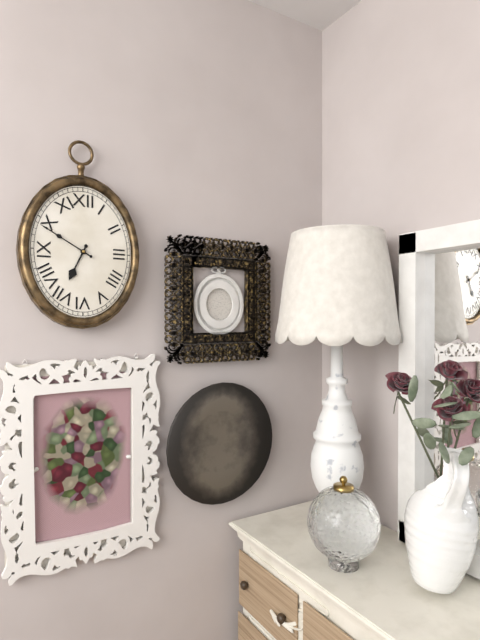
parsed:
6:50
